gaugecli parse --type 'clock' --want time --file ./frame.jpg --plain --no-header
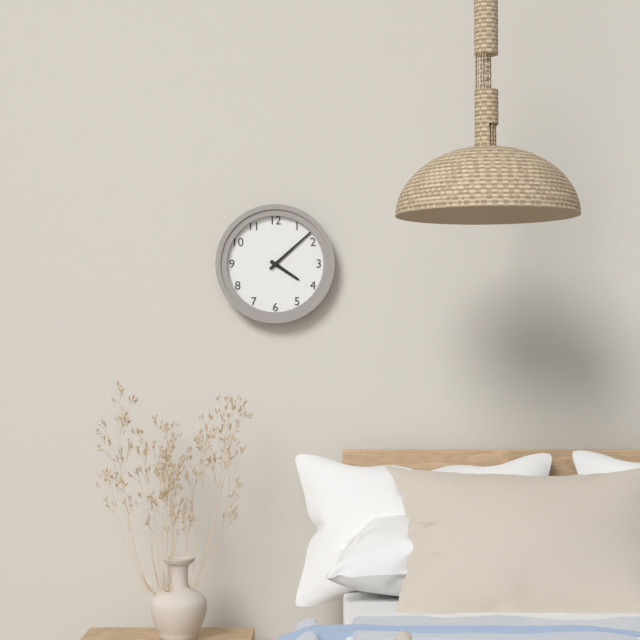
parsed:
4:08
